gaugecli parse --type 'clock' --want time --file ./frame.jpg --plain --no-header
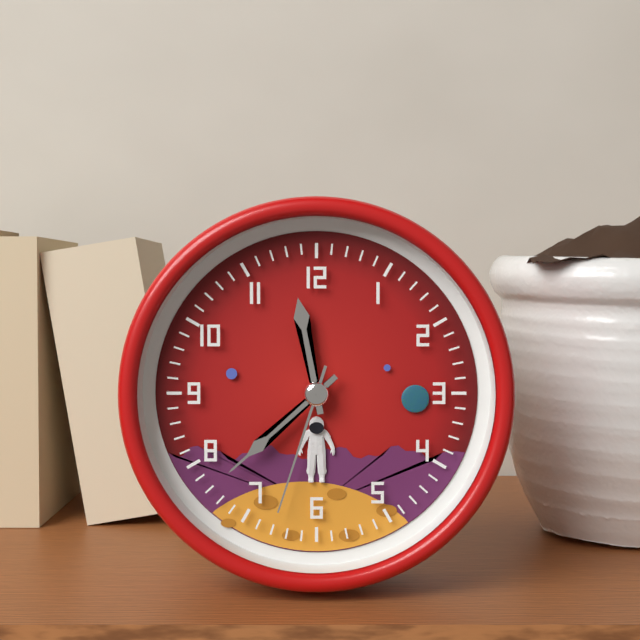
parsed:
11:38:33
